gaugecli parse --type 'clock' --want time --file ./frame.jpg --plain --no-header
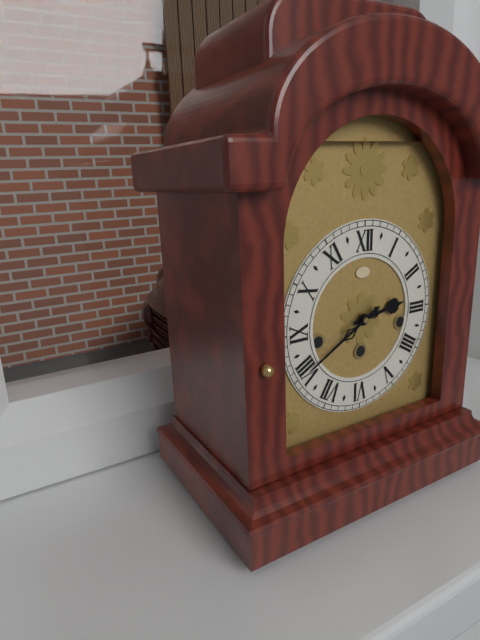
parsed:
2:40
